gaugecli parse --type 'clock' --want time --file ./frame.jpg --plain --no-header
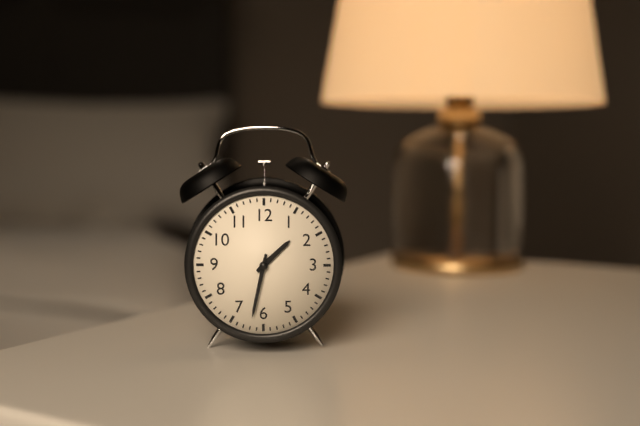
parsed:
1:32
